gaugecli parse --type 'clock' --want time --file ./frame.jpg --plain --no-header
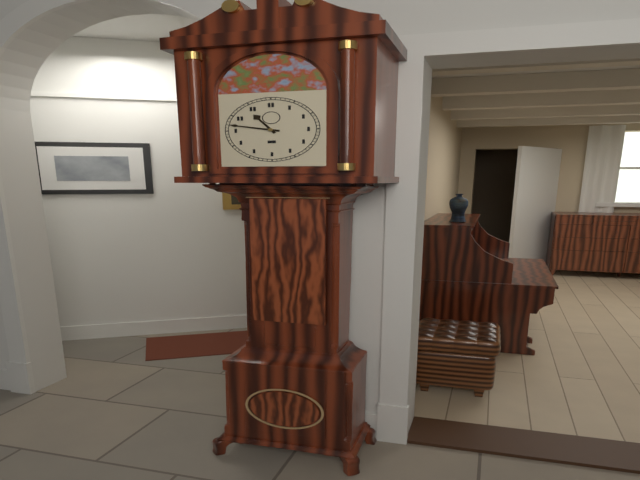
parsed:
10:47
